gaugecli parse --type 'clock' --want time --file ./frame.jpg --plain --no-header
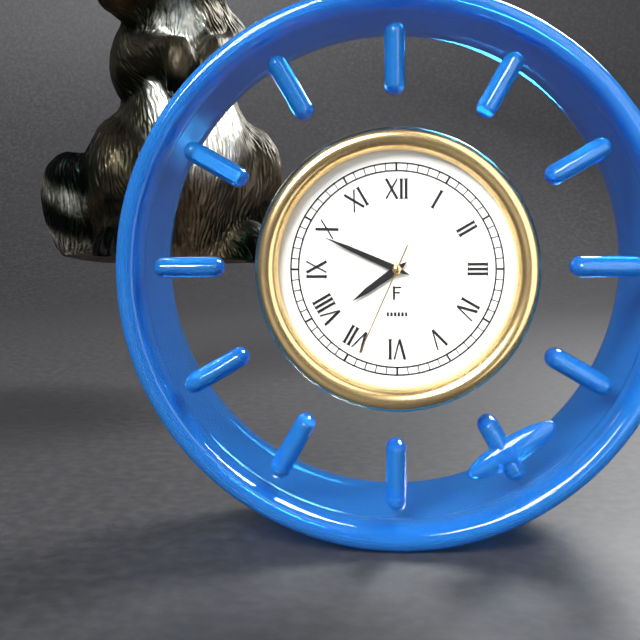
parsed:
7:49:34
